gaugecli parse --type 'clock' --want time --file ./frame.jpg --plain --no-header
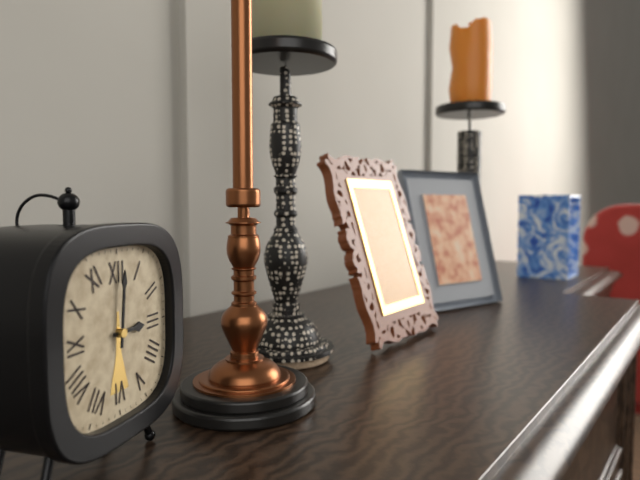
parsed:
3:01
